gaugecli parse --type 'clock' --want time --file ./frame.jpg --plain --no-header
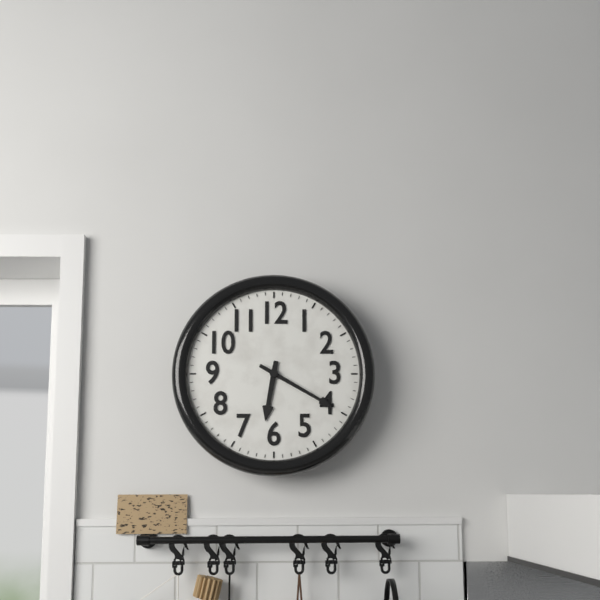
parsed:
6:20
